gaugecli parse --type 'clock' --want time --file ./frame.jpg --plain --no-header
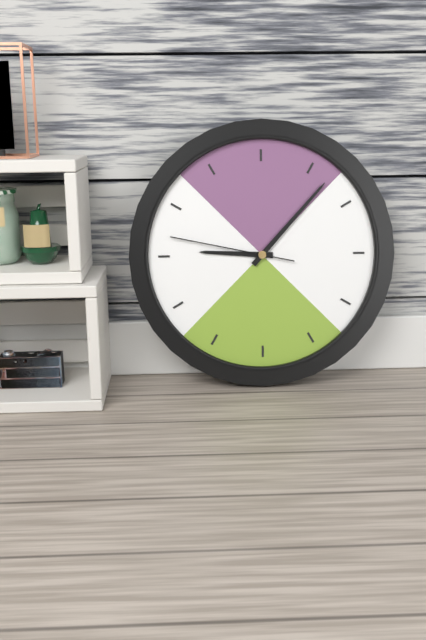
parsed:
9:07:47
